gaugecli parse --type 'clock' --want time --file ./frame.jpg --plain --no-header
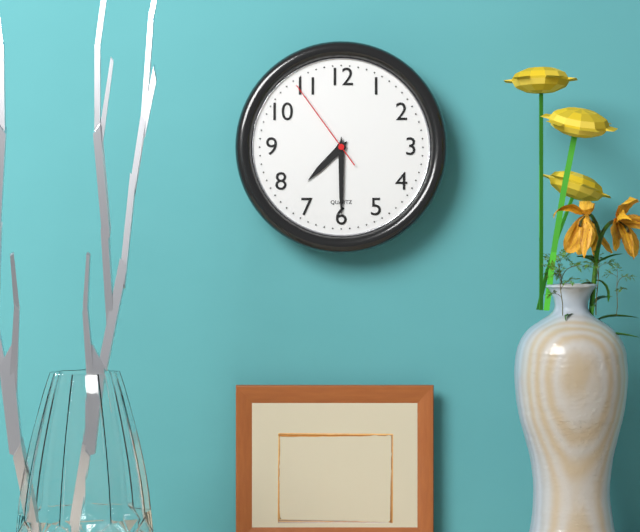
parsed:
7:30:54
